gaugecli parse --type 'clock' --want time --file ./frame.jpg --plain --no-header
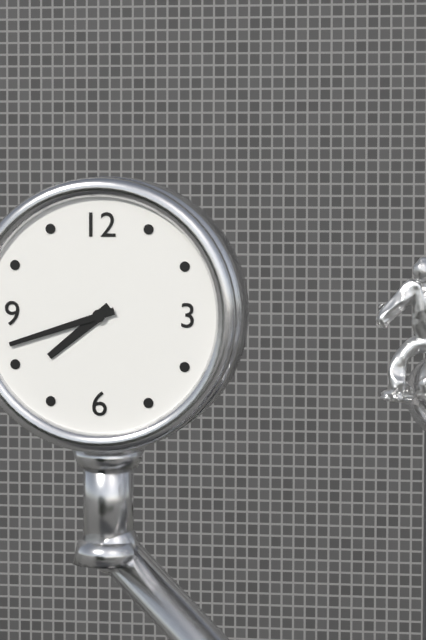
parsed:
7:42
